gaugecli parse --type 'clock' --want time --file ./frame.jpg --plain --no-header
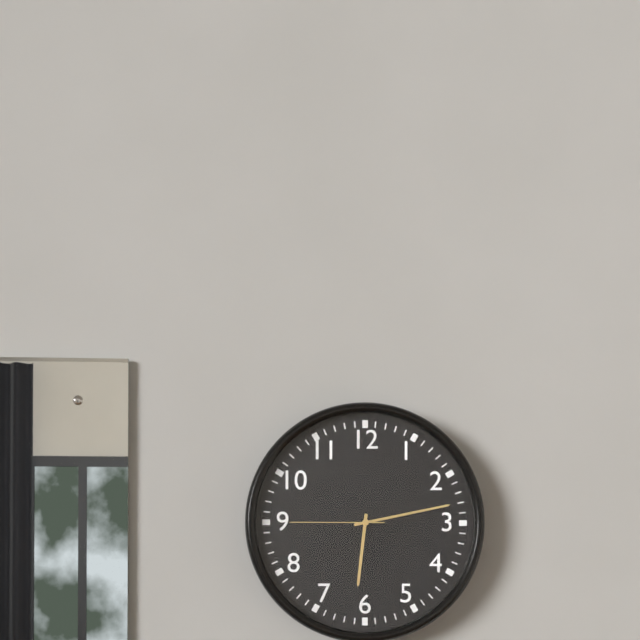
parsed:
6:13:45
